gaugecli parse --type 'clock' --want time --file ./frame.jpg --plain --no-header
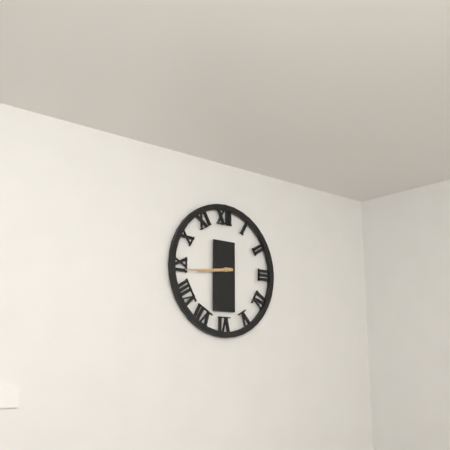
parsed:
8:44
